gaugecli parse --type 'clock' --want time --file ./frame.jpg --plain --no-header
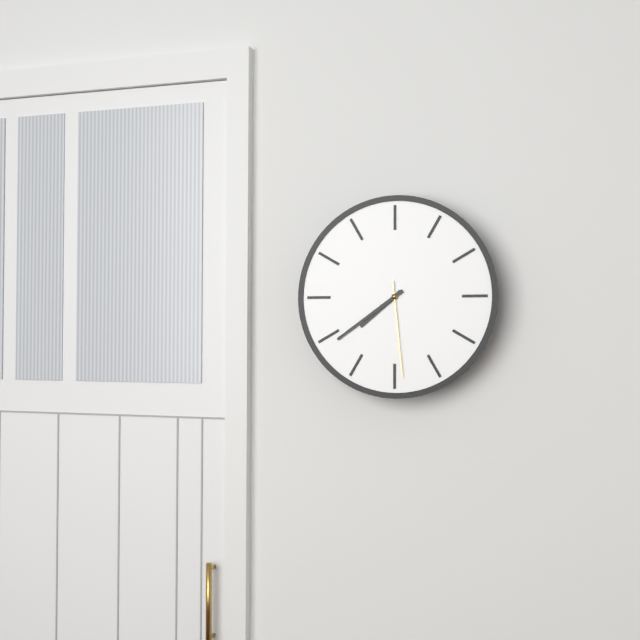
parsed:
7:39:29
